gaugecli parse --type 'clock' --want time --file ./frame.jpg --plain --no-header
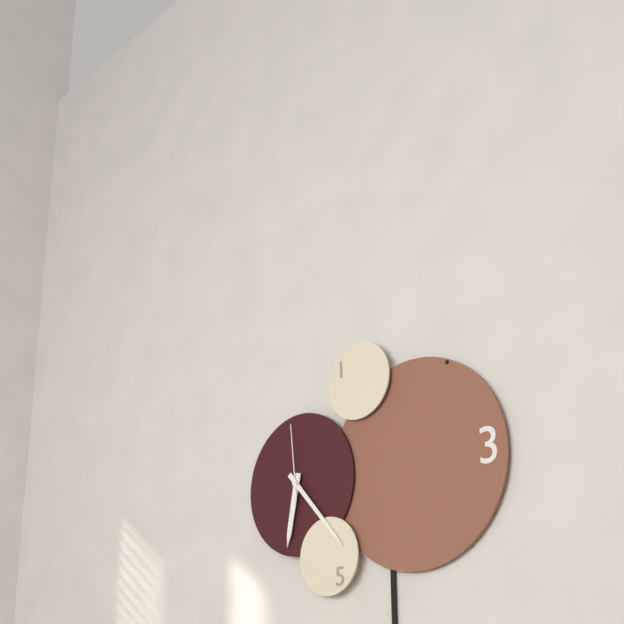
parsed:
6:23:59
